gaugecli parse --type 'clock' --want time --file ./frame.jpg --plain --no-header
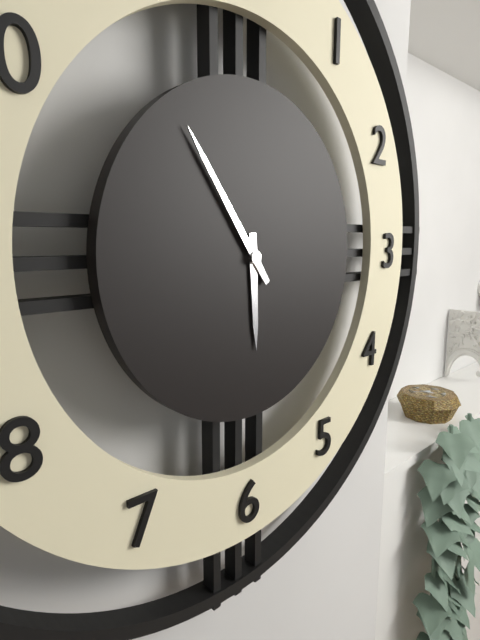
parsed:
5:54
